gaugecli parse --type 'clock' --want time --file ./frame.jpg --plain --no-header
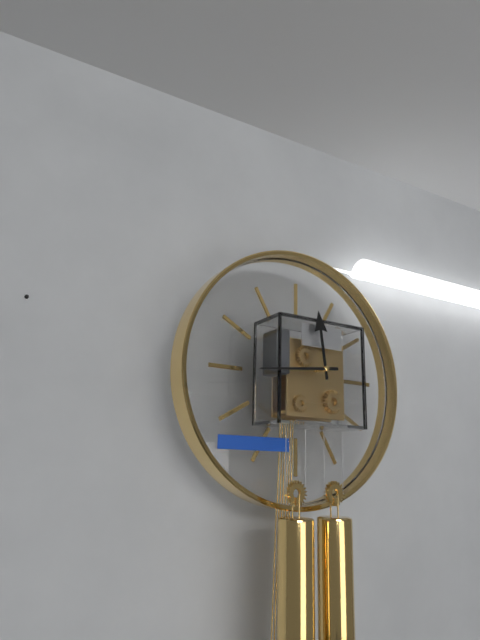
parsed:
11:44
